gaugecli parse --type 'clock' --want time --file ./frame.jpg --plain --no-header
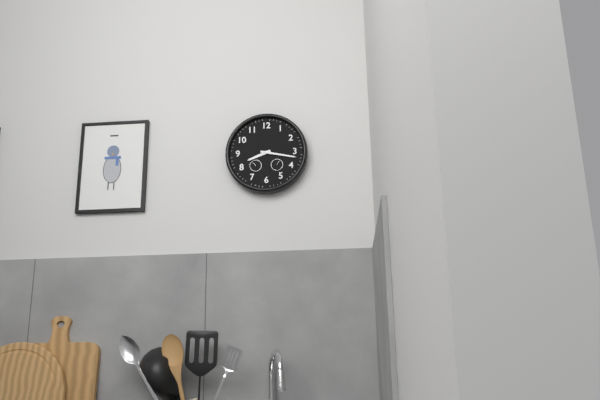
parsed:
8:17
